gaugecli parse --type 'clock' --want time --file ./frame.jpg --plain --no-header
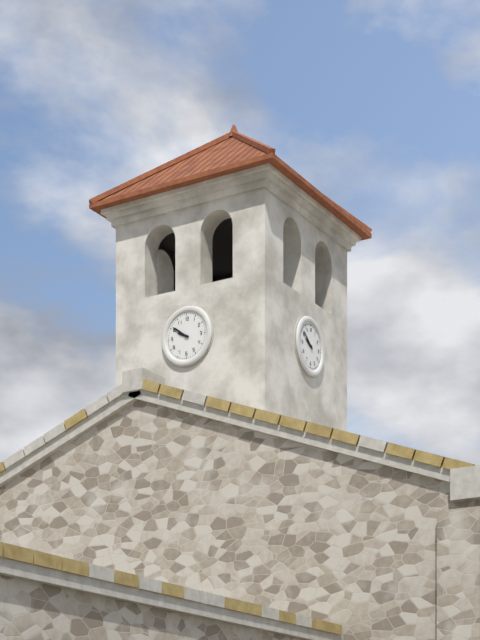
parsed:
9:51
